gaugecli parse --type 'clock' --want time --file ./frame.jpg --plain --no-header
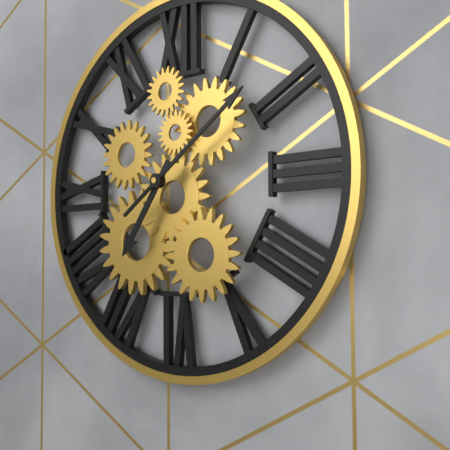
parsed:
7:09
